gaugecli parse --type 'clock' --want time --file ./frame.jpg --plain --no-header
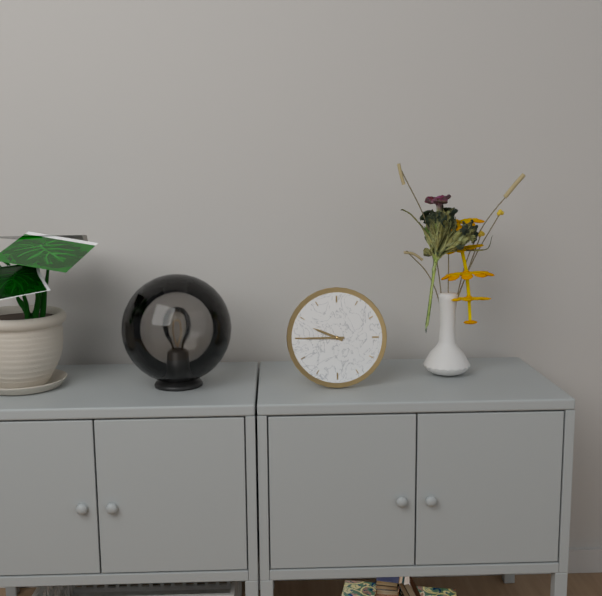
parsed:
9:45
